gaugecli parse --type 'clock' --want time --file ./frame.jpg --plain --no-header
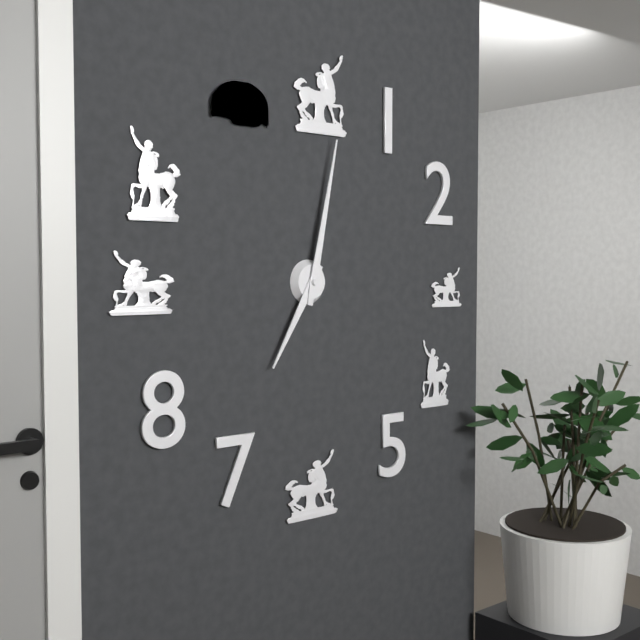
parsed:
7:02
